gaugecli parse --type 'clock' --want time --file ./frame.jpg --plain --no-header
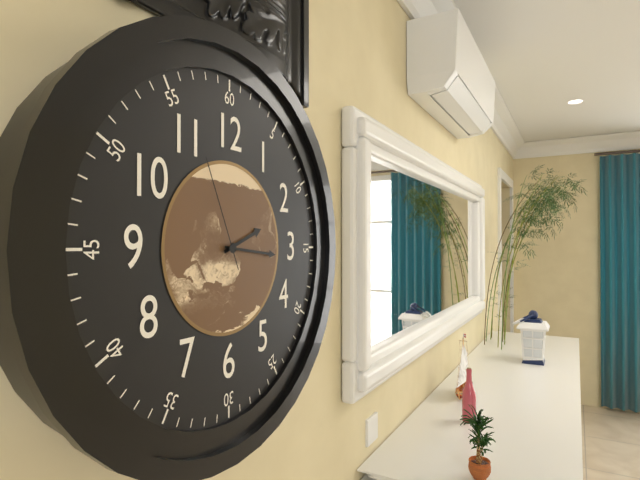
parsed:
2:16:56
